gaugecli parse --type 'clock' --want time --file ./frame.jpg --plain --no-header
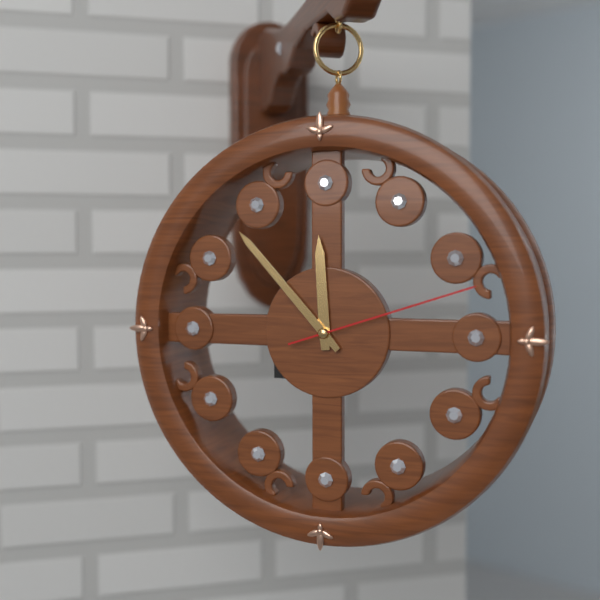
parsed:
11:53:12
